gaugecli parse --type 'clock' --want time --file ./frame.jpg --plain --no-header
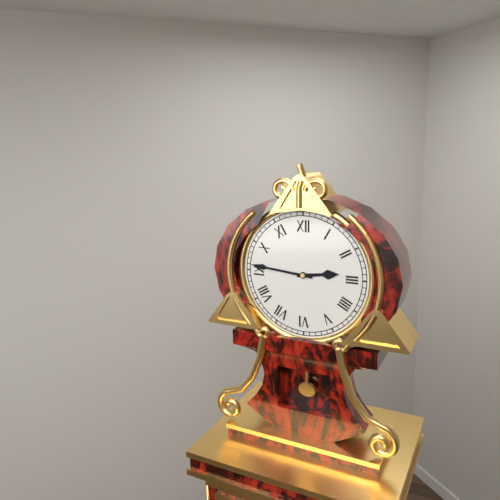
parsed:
2:46
